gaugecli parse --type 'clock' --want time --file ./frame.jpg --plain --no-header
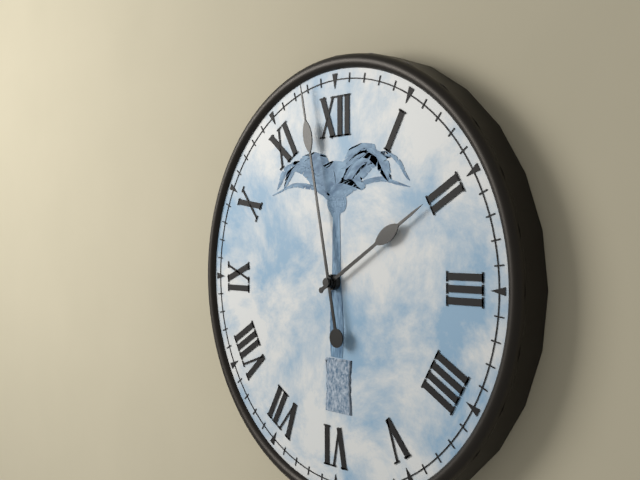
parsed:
1:58
